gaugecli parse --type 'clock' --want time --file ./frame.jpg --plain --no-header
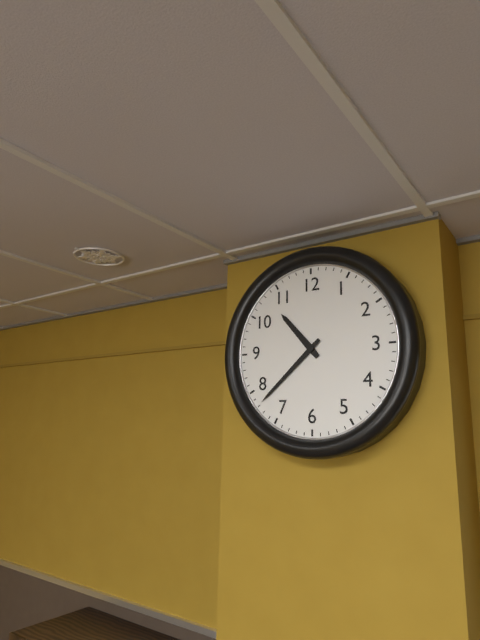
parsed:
10:38
